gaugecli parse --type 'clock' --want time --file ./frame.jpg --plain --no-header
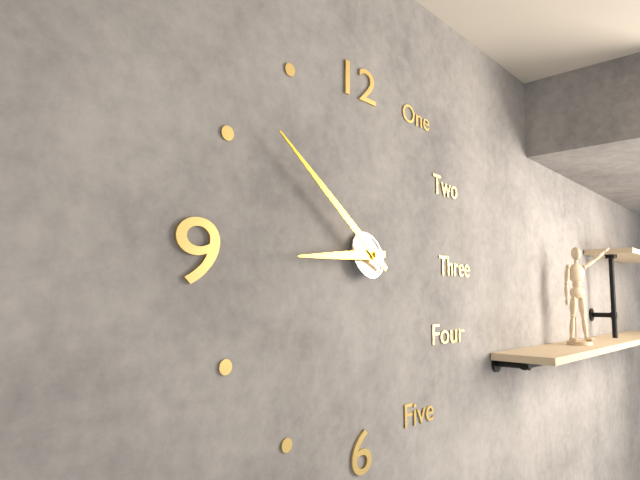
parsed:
8:51
